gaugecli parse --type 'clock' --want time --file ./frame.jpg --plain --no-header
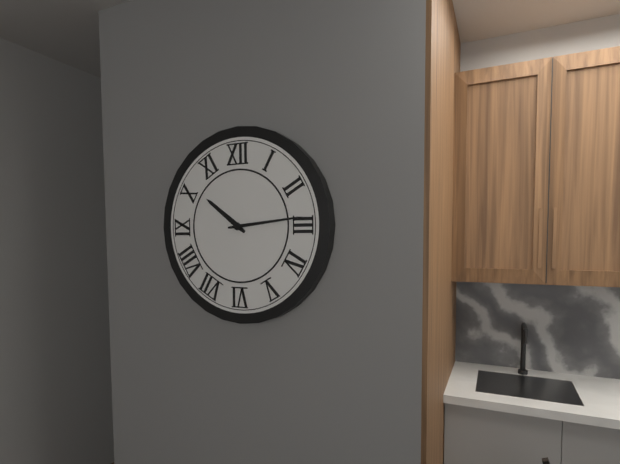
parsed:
10:14
